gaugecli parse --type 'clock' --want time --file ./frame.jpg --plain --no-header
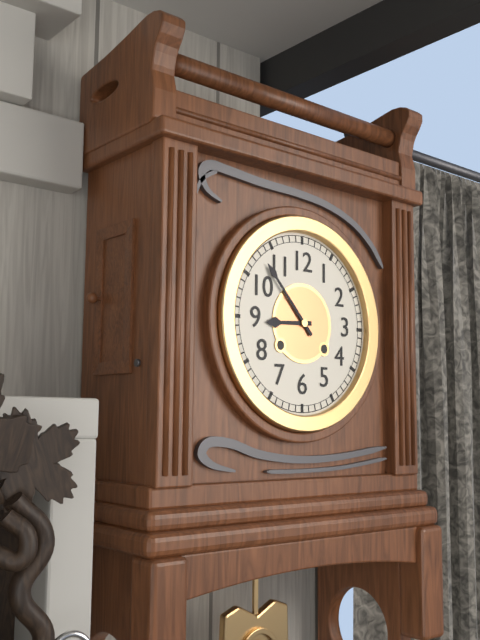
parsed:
8:53
